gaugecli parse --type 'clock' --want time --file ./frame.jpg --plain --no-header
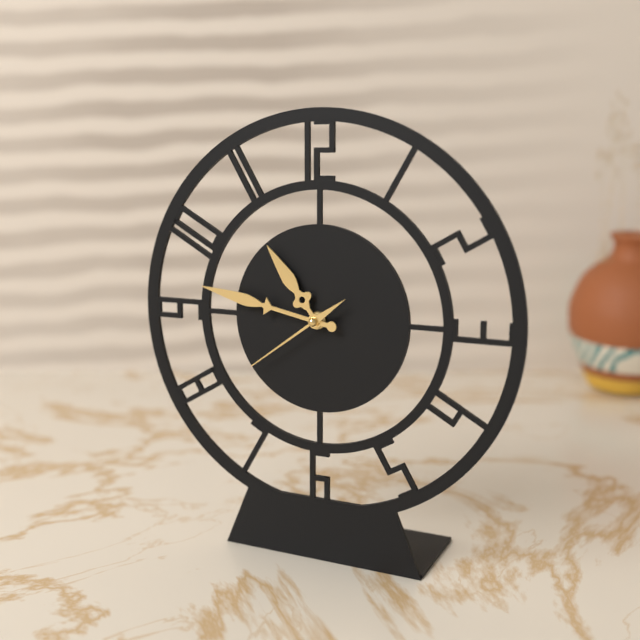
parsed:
10:47:39
